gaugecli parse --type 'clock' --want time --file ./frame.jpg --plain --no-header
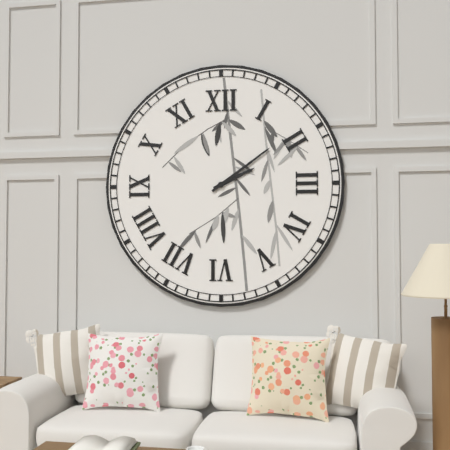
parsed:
2:09
